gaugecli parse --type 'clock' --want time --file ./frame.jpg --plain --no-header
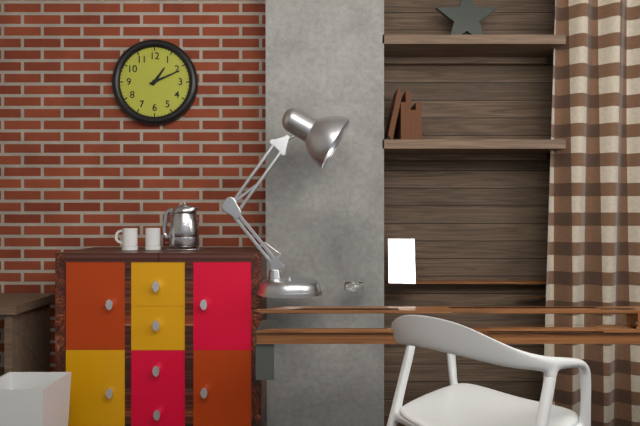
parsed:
1:11
